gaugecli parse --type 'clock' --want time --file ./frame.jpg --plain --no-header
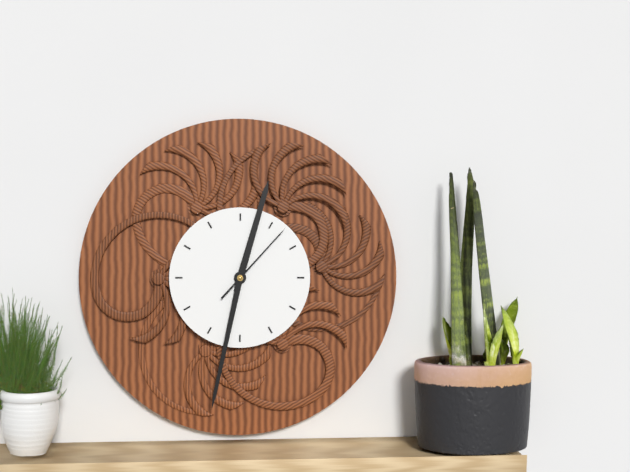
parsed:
12:32:07
